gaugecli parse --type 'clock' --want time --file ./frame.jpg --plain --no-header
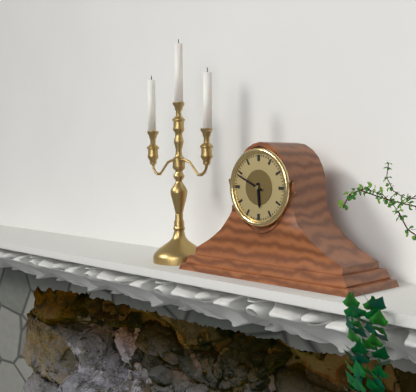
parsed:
5:49
